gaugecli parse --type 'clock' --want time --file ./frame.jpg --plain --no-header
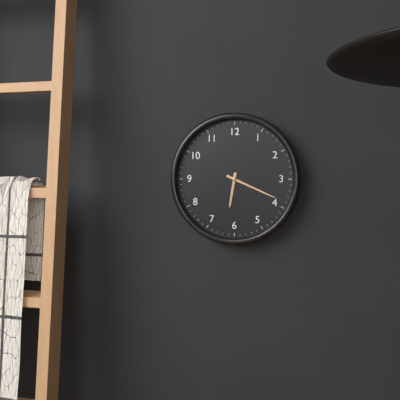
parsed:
6:19
